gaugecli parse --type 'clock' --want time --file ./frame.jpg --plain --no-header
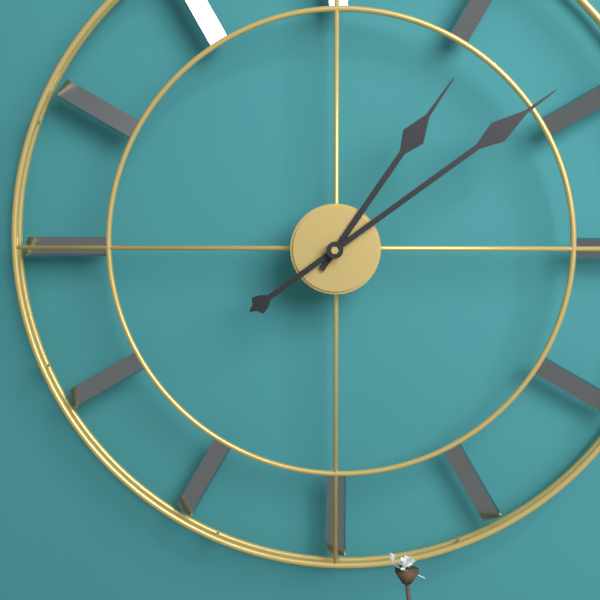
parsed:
1:09
